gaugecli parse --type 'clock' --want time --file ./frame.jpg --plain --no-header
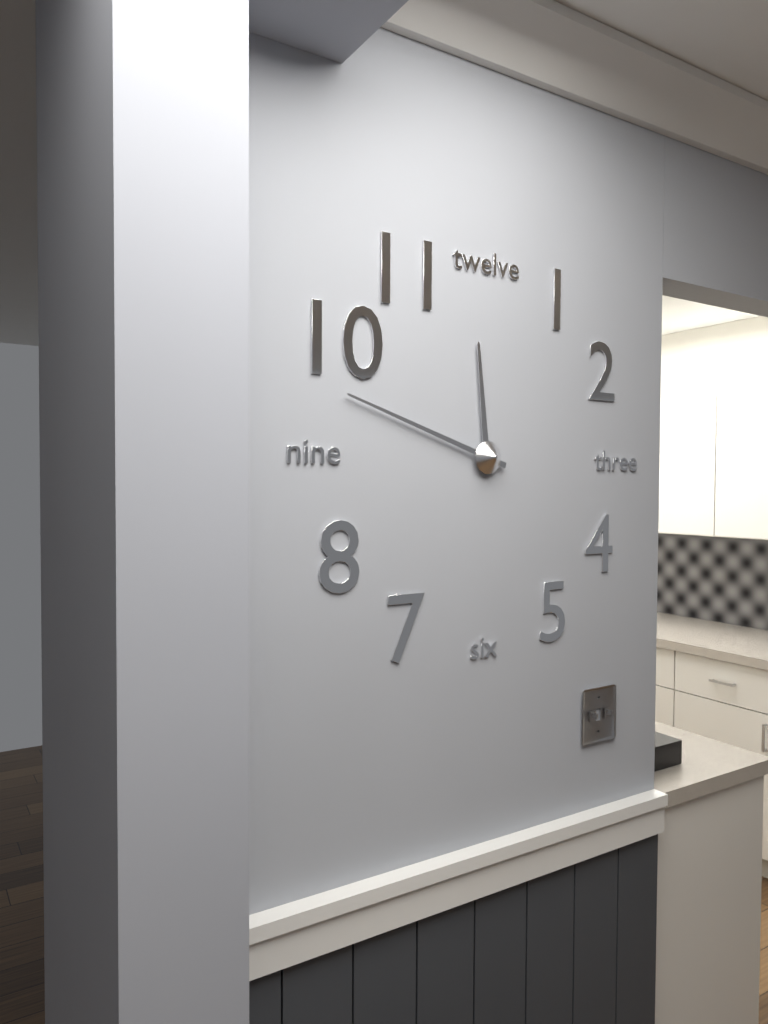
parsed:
11:48
